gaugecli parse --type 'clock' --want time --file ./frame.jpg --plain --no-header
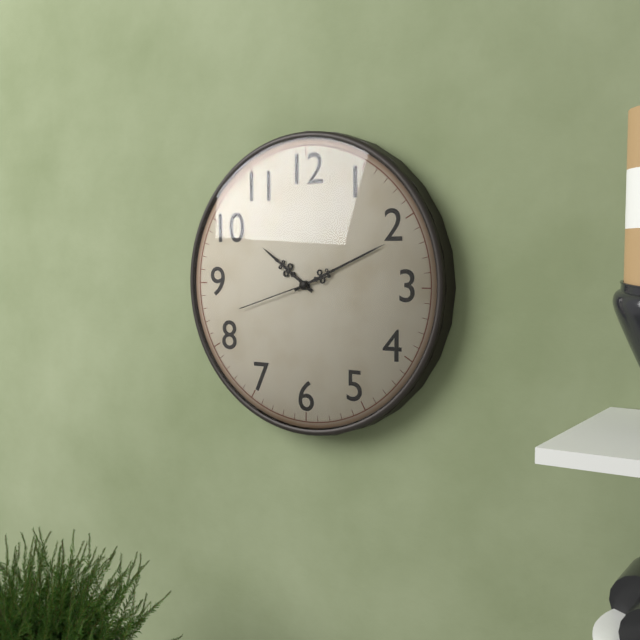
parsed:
10:11:42
